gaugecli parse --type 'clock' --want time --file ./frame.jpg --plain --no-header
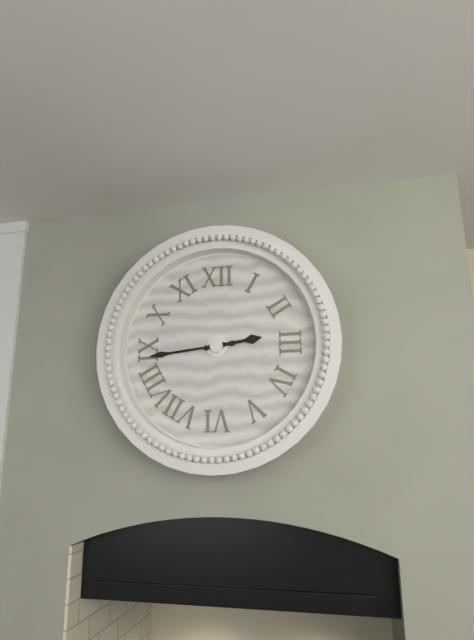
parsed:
2:44
